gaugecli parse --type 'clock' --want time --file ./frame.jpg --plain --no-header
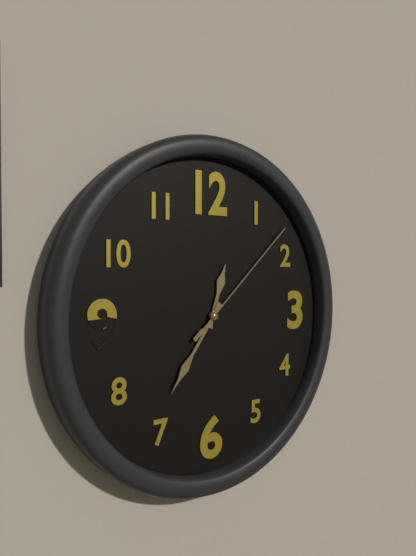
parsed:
12:36:08
